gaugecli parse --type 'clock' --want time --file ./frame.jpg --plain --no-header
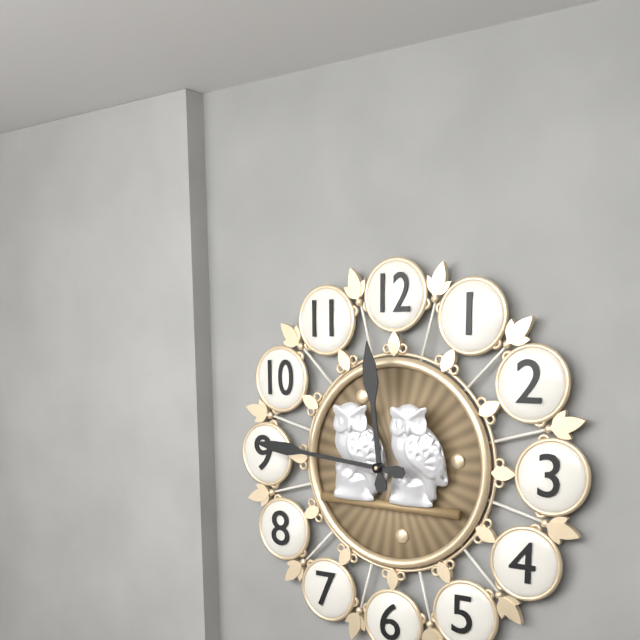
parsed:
11:46
